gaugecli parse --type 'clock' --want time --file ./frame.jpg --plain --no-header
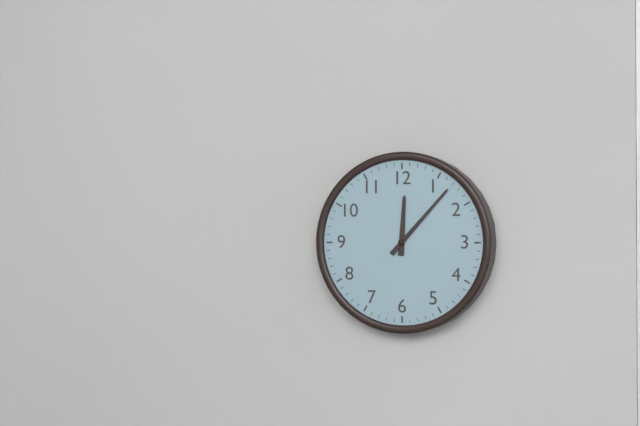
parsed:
12:07
